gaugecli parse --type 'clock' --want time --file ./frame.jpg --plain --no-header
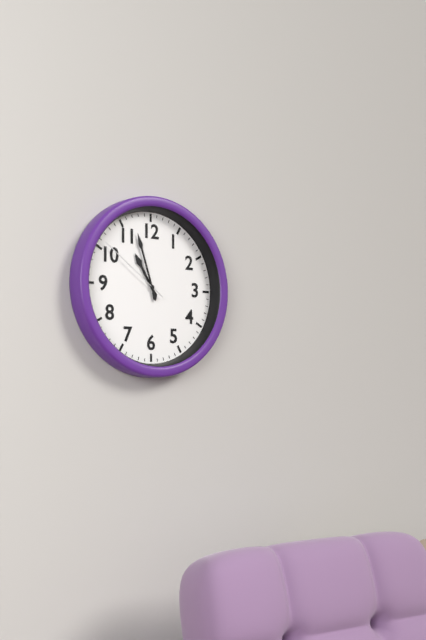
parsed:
10:57:51
